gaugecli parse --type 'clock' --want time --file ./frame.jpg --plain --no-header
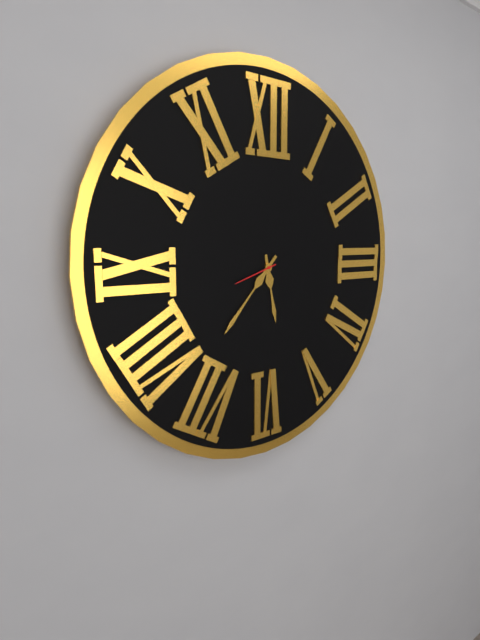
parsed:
5:37
